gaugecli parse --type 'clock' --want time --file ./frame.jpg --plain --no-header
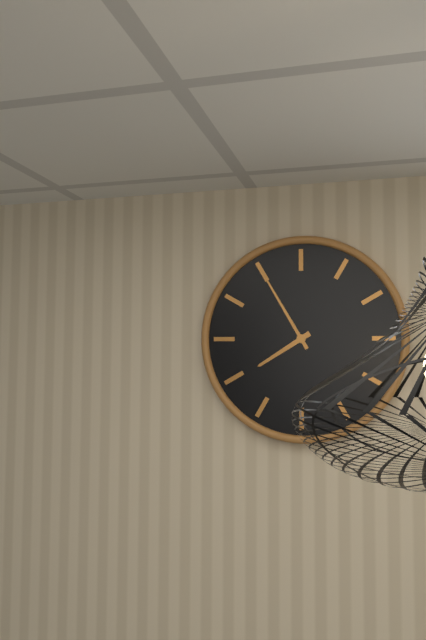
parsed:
7:55
